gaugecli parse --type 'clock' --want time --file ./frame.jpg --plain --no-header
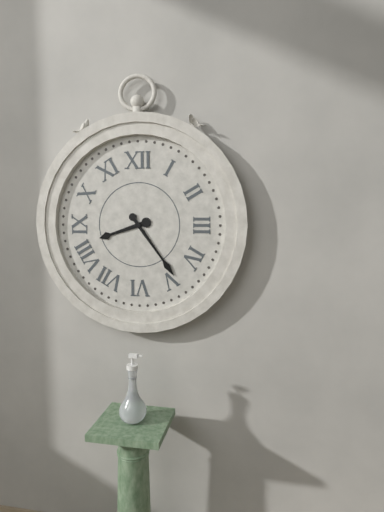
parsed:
8:24
